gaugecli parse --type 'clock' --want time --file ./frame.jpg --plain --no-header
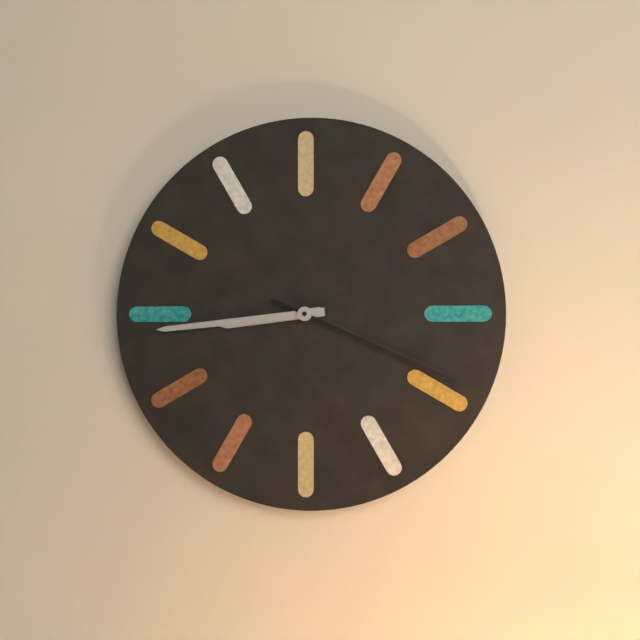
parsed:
8:44:19
